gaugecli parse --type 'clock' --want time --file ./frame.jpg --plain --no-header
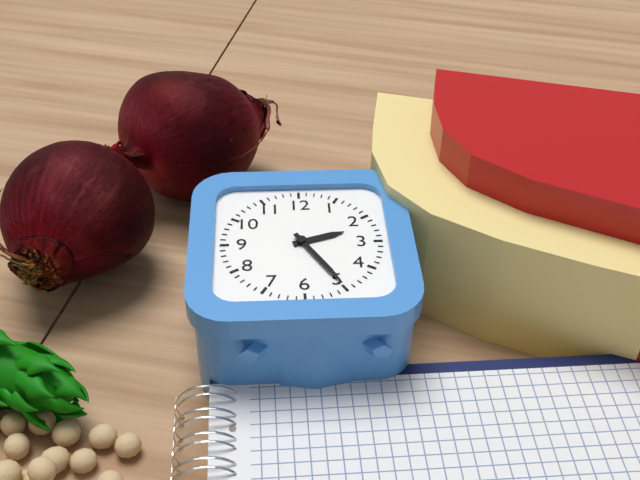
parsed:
2:25
